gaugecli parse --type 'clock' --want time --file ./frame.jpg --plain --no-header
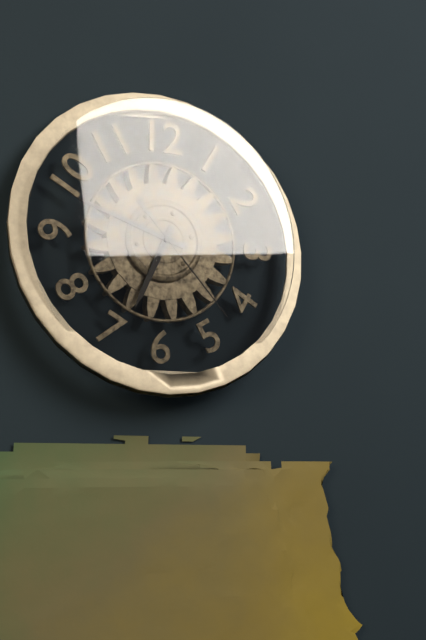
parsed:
6:48:23
